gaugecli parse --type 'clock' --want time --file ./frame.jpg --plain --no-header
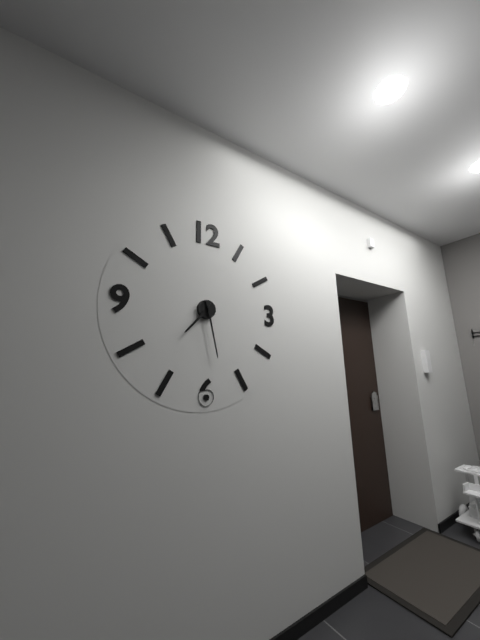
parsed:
7:28
